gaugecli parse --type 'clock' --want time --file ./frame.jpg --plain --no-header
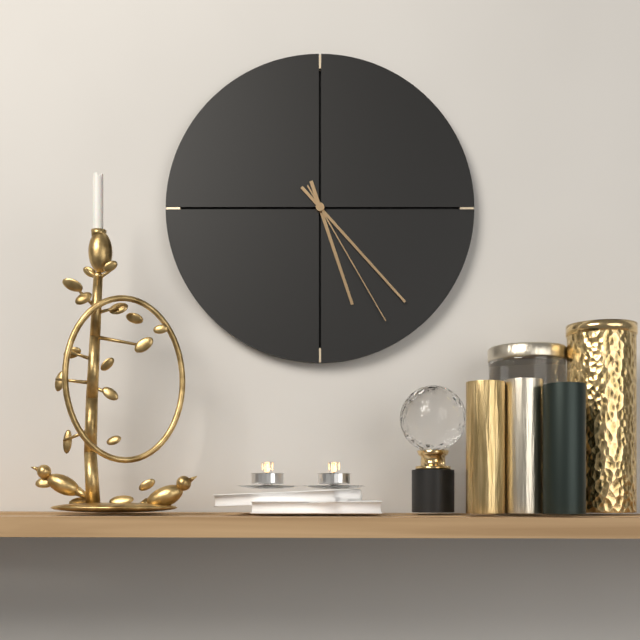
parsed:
5:23:25
